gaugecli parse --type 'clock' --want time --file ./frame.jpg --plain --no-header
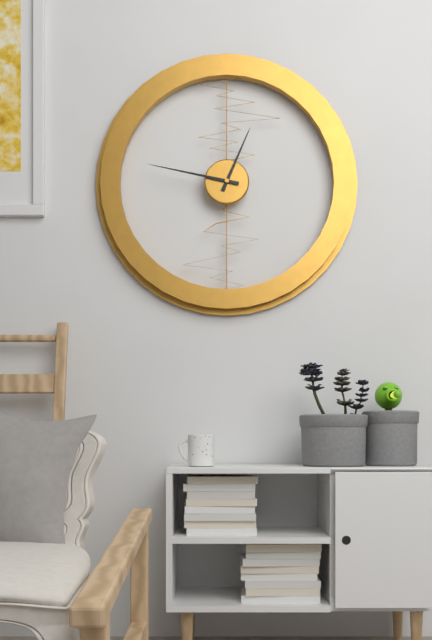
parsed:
12:47
